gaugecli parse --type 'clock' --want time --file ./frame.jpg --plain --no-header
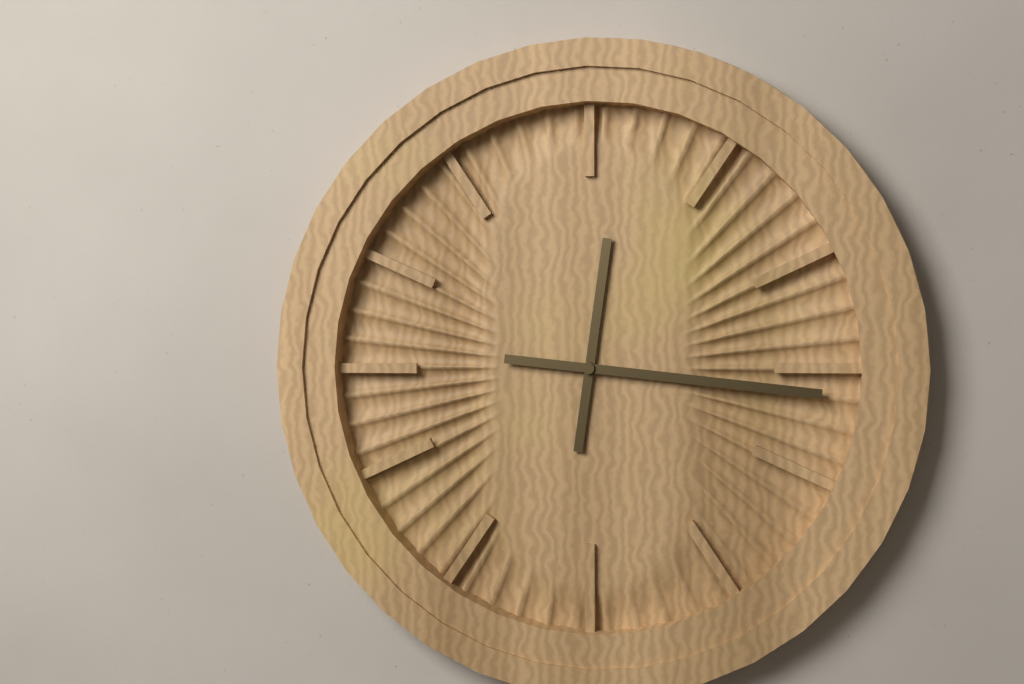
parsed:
12:16
